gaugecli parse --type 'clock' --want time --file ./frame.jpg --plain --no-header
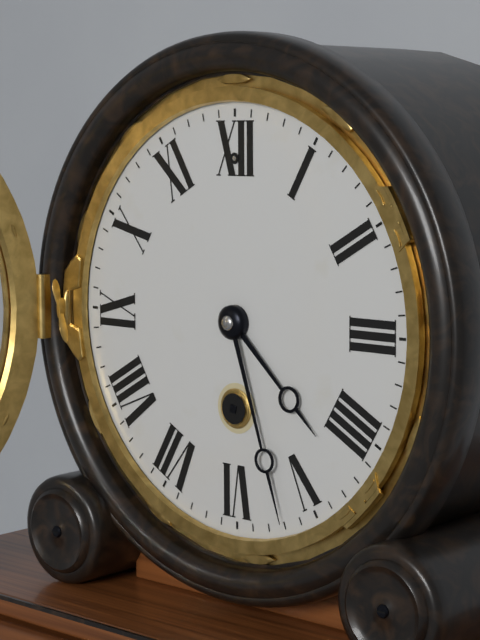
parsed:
4:27
